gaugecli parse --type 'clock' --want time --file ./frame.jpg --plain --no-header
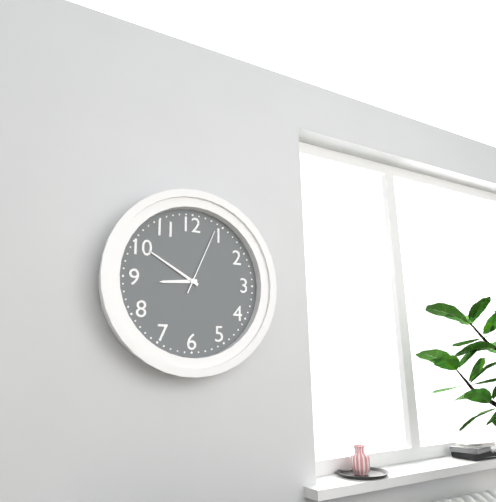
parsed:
8:50:04
